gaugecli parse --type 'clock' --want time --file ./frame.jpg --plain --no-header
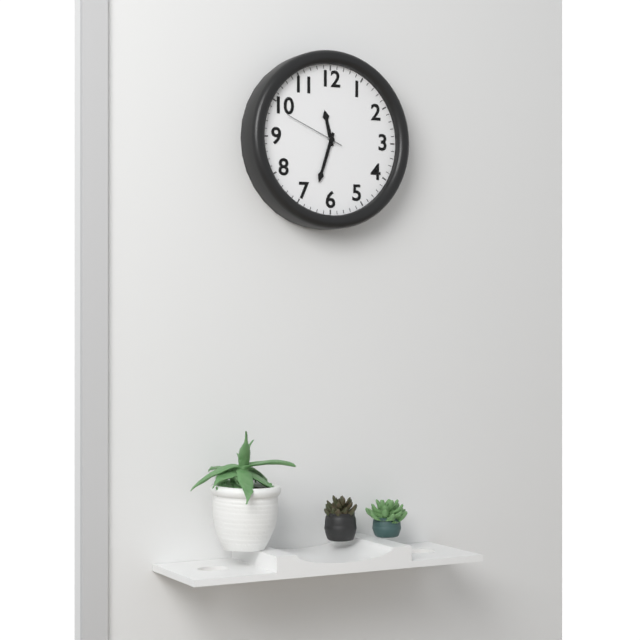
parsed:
11:33:49
